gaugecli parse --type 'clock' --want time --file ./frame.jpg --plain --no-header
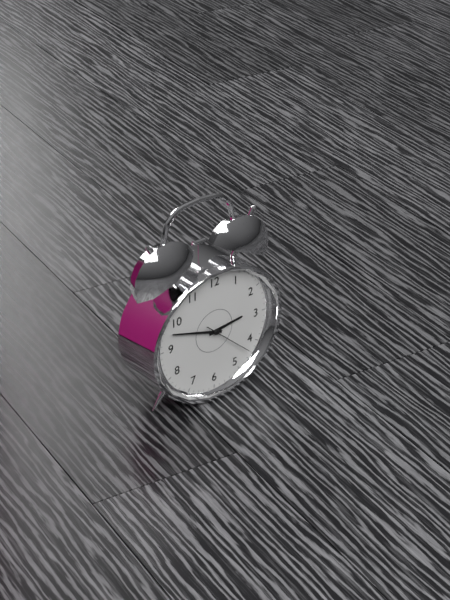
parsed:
2:48:22
